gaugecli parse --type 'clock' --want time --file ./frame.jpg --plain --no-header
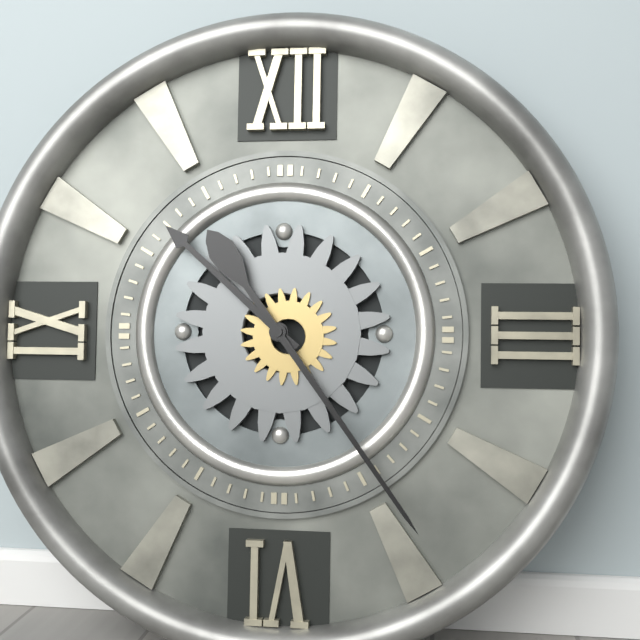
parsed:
10:24
